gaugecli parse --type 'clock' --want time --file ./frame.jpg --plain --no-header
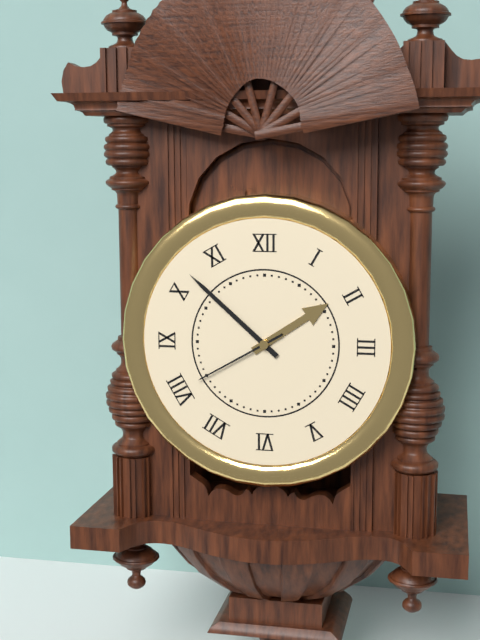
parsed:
1:52:40
